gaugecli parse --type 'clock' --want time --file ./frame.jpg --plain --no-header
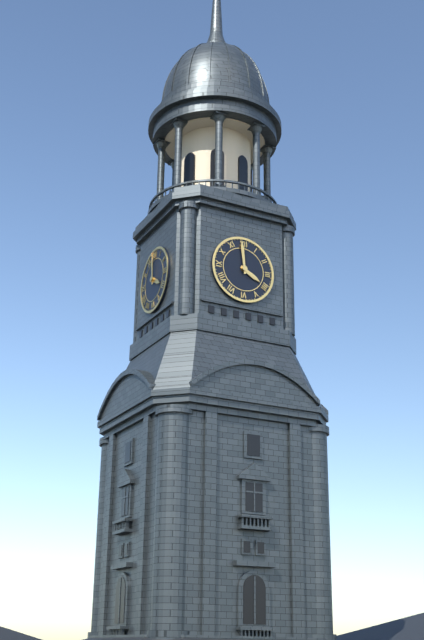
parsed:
3:59
